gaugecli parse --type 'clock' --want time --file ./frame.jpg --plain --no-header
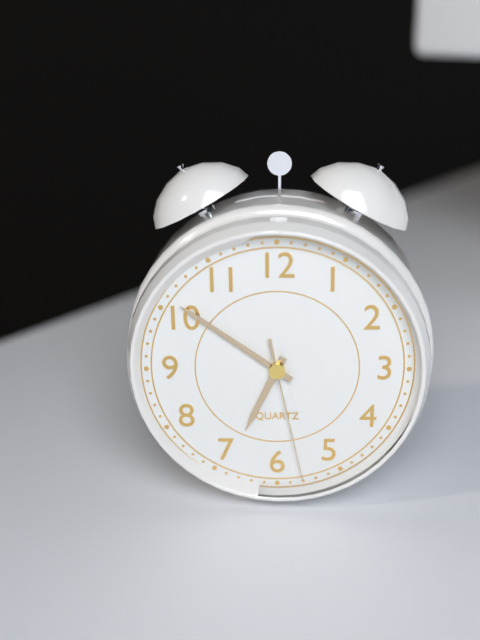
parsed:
6:51:28
